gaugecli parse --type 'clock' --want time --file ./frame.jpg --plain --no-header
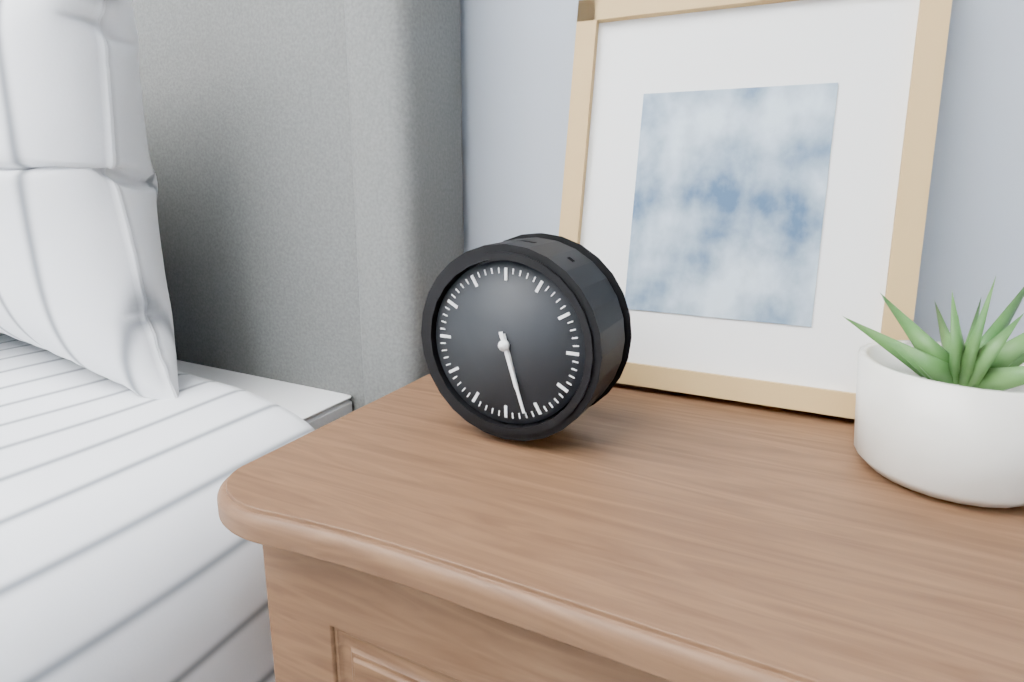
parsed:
5:27
